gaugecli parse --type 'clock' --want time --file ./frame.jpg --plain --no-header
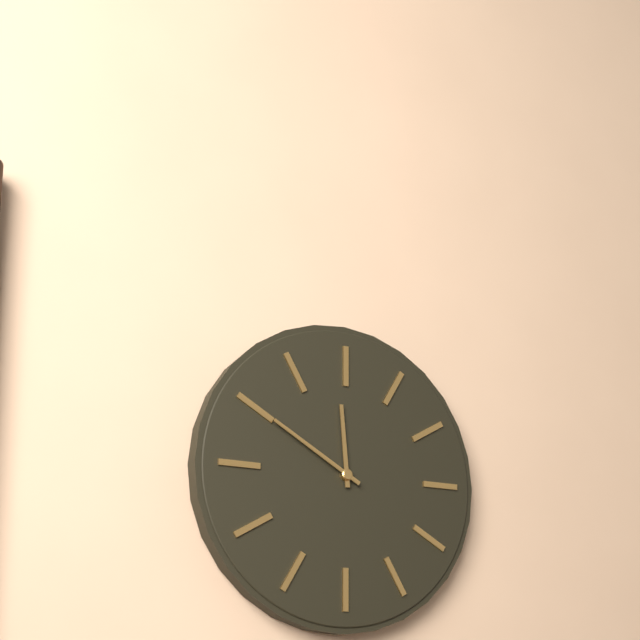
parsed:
11:50
